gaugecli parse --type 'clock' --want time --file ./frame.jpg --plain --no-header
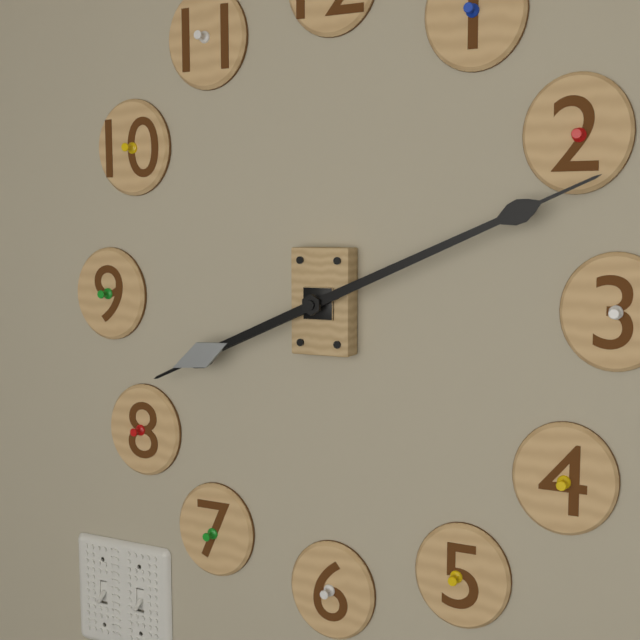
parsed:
8:11
